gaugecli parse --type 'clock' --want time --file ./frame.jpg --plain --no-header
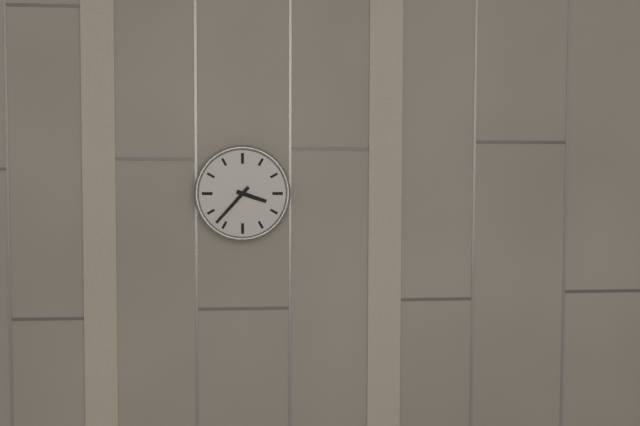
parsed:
3:37
